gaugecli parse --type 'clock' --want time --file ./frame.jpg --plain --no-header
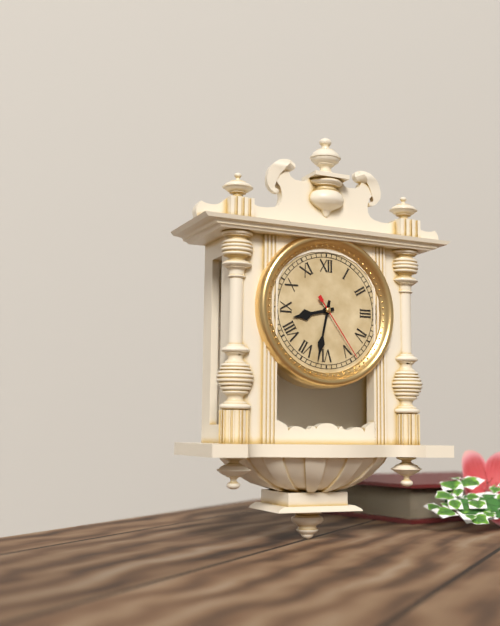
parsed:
8:32:24
